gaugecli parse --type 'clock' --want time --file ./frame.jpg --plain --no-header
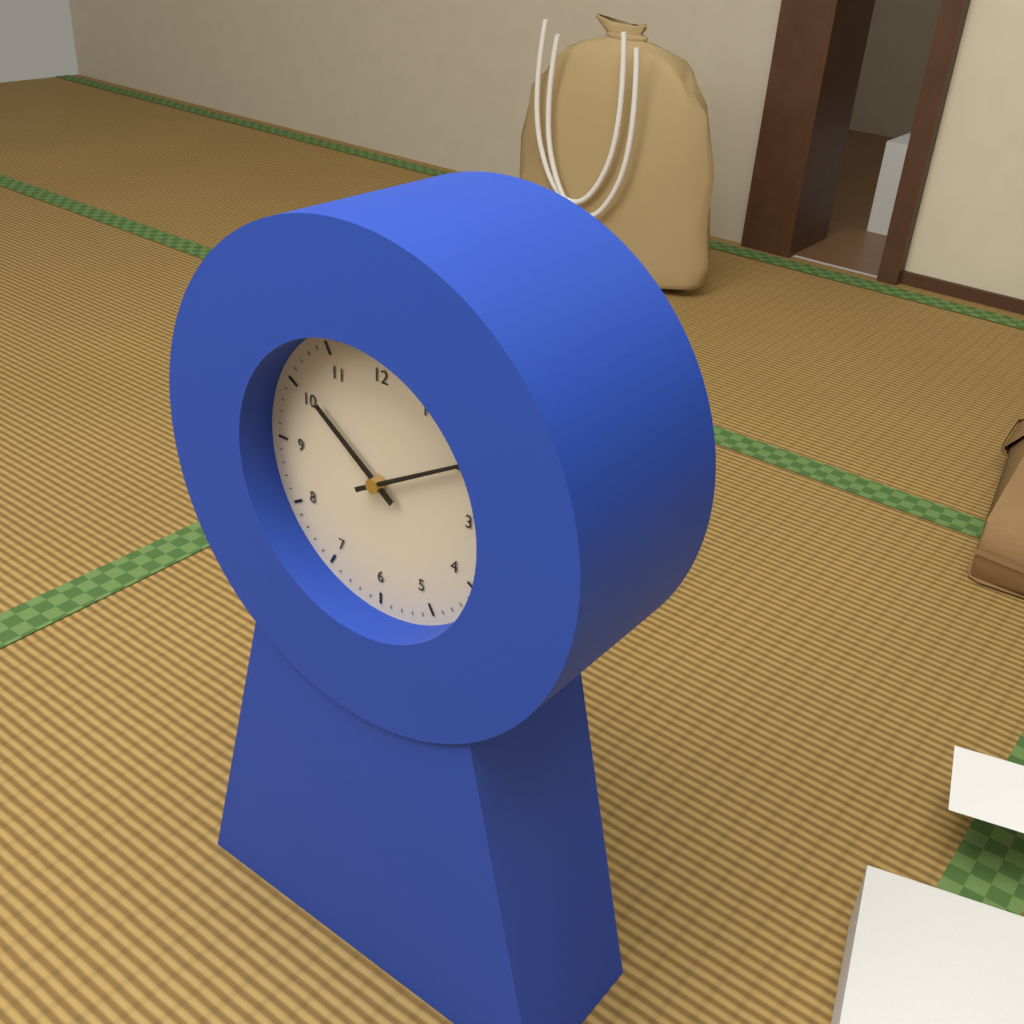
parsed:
10:10
